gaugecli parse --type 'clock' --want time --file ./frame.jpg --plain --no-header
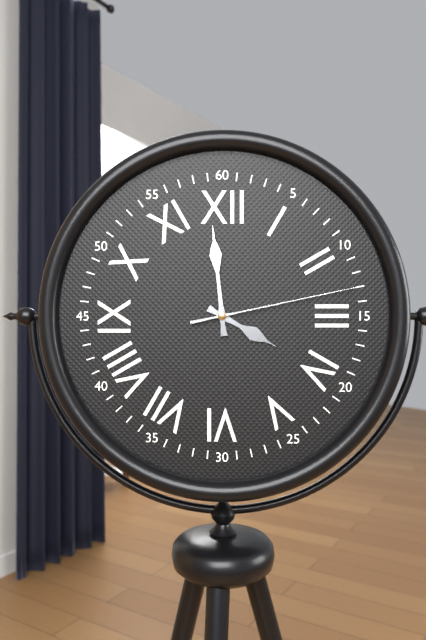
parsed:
3:59:13
